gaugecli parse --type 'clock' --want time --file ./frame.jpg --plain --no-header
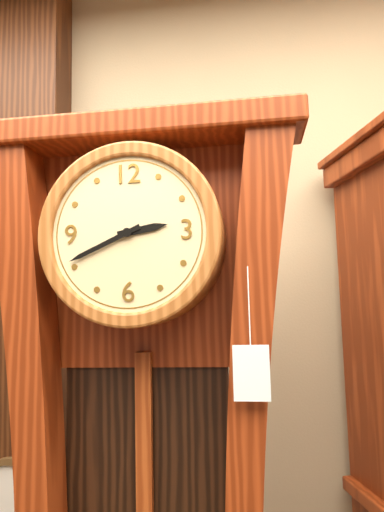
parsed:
2:41
